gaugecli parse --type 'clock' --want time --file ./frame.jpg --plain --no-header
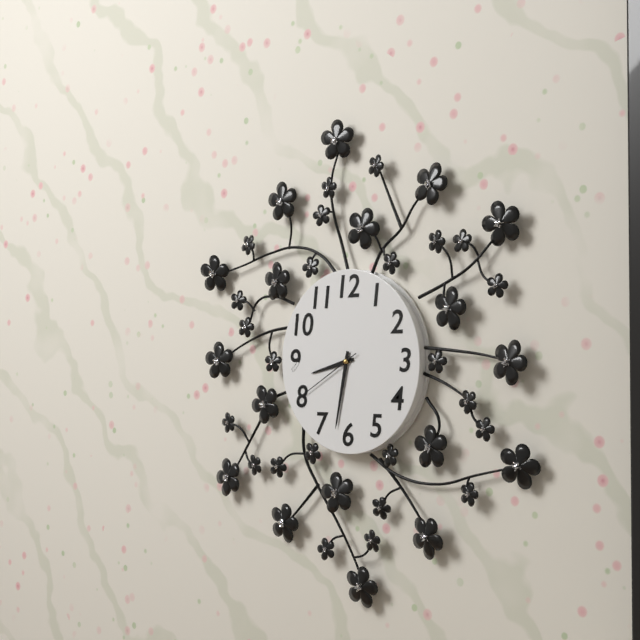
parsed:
8:32:40
